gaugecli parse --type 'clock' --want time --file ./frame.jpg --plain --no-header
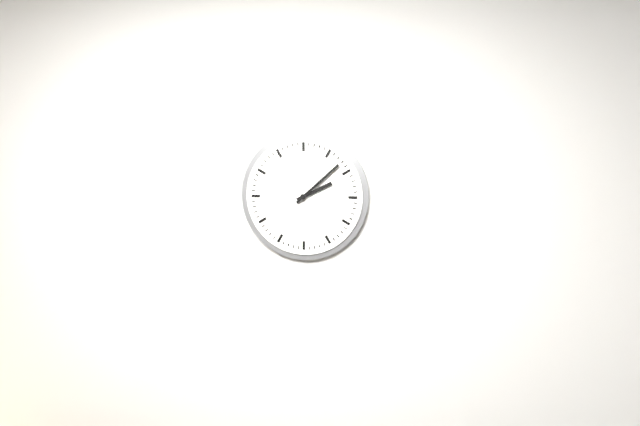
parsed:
2:08
